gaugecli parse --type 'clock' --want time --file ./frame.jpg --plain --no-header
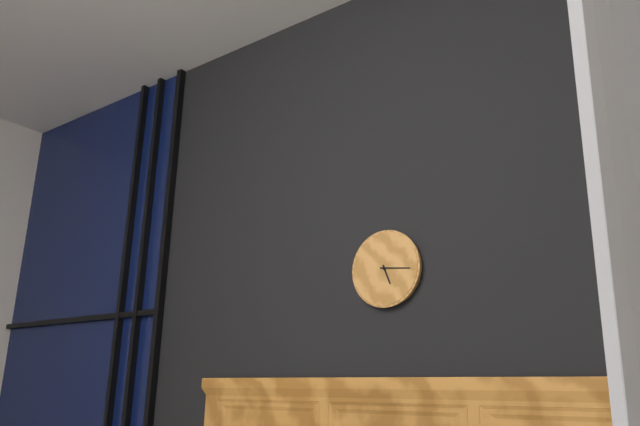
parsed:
5:16
